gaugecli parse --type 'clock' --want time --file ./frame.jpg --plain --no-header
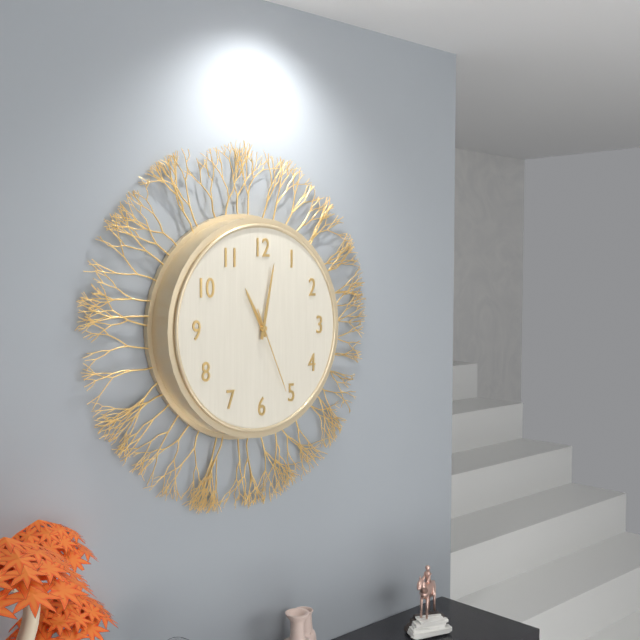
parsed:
11:02:26
